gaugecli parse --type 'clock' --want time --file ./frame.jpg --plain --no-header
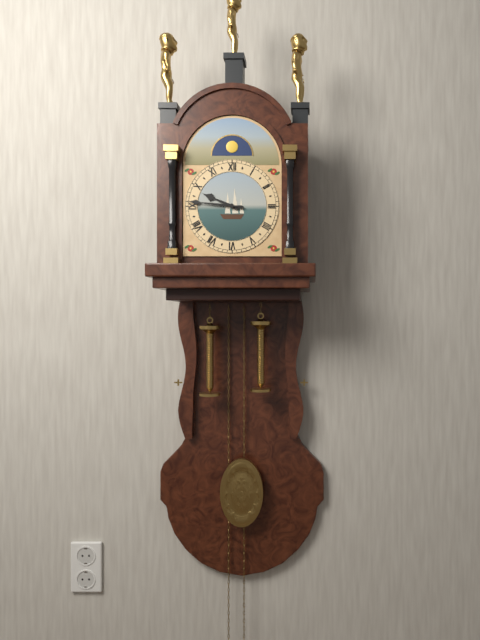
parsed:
9:46
